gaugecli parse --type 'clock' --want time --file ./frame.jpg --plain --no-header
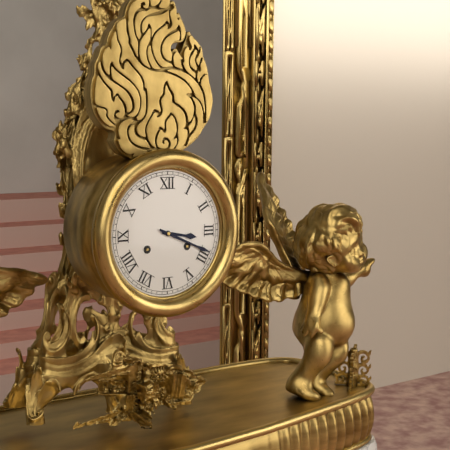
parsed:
3:19
